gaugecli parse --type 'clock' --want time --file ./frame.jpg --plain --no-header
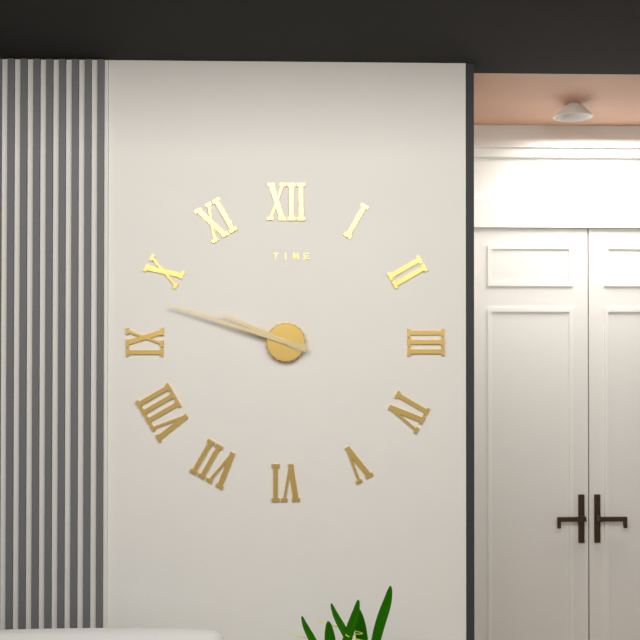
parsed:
9:48
